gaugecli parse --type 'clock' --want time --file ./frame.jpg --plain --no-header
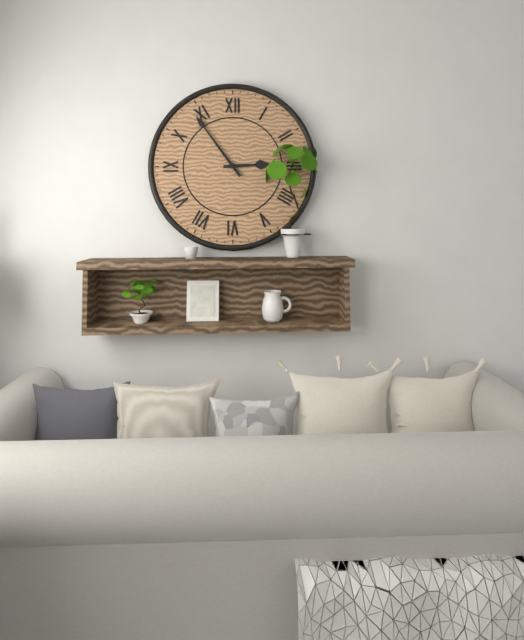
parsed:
2:54
